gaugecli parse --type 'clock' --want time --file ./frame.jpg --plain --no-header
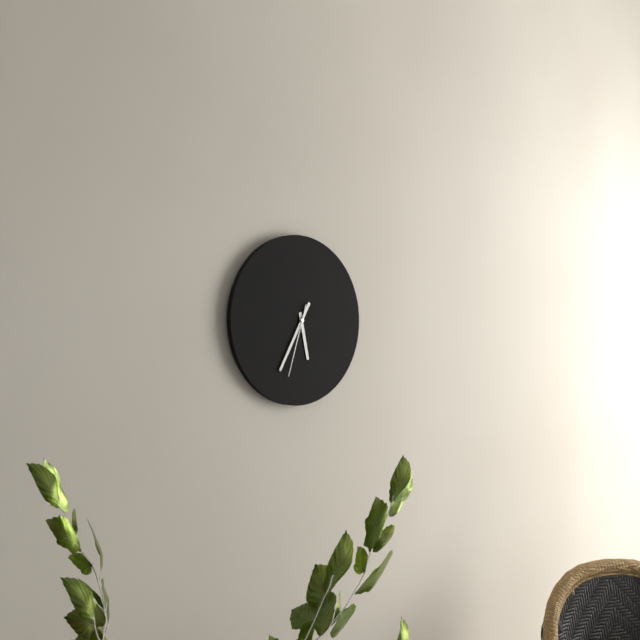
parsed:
5:35:33
